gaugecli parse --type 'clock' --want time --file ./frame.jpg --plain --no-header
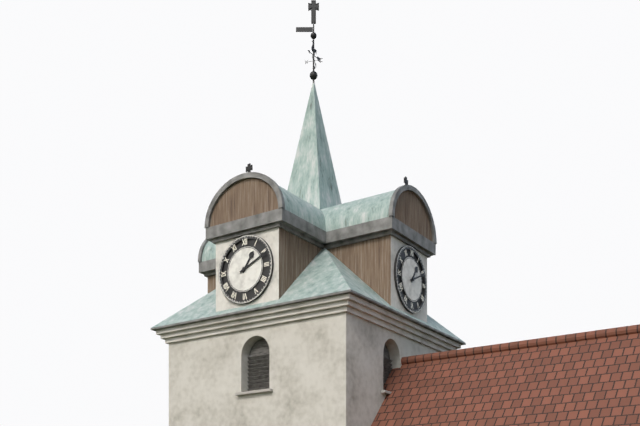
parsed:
1:11
